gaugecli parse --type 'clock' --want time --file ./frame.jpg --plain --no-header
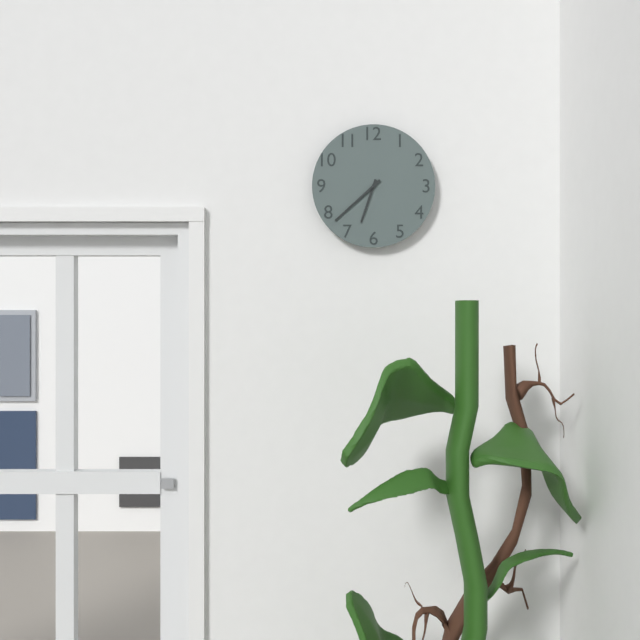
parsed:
6:38
